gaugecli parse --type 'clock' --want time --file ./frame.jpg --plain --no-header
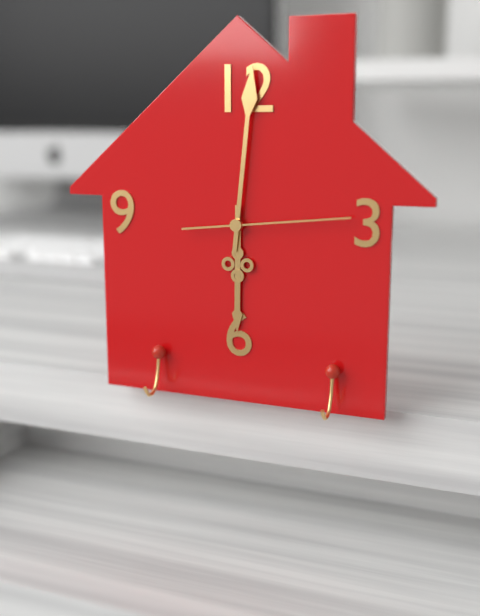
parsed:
6:01:14
